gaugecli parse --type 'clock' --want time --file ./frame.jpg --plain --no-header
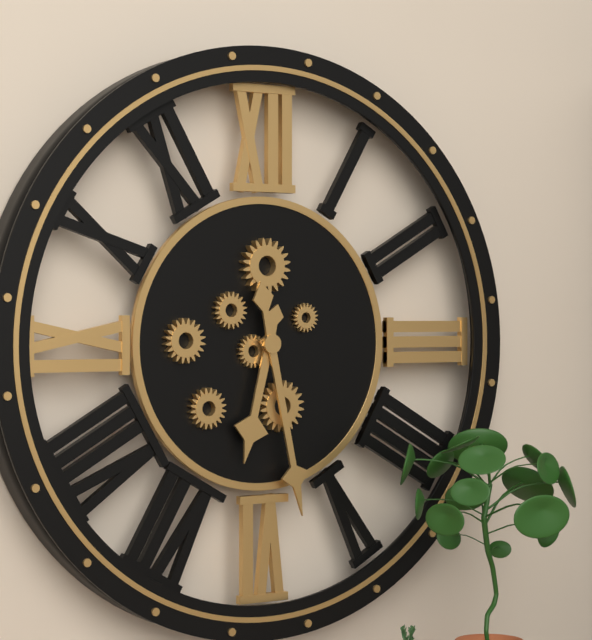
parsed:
6:28
